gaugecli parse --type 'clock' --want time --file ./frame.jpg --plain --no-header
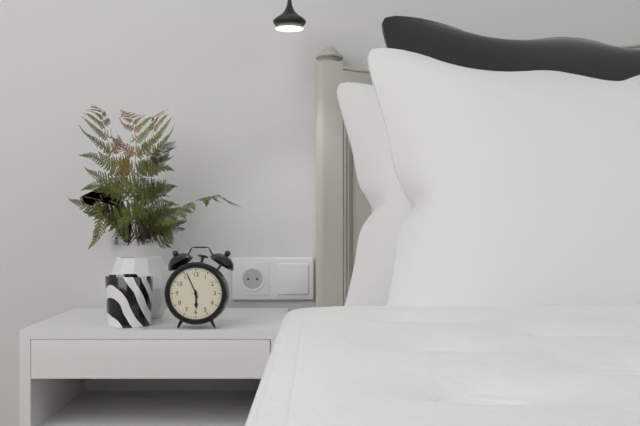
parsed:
5:56
